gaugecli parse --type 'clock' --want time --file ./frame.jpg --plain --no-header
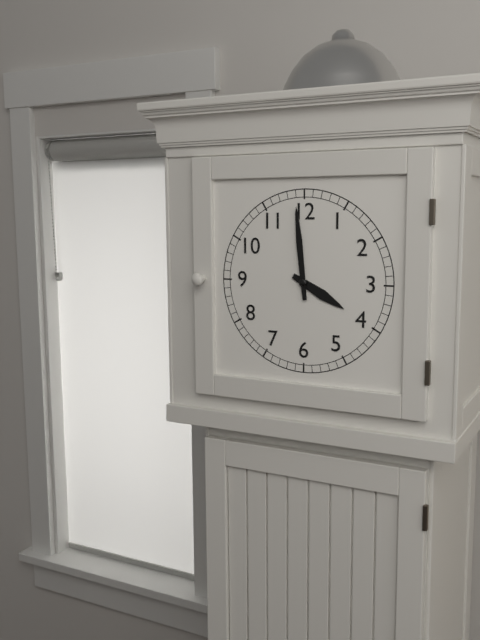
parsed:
3:59
